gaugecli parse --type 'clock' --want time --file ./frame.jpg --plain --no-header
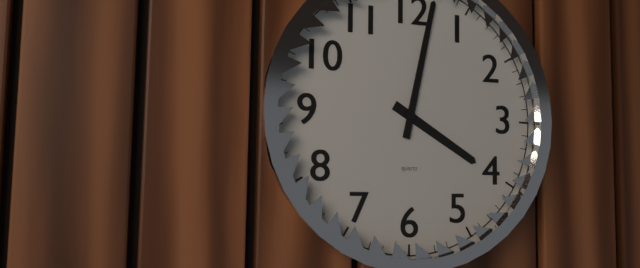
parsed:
4:02
